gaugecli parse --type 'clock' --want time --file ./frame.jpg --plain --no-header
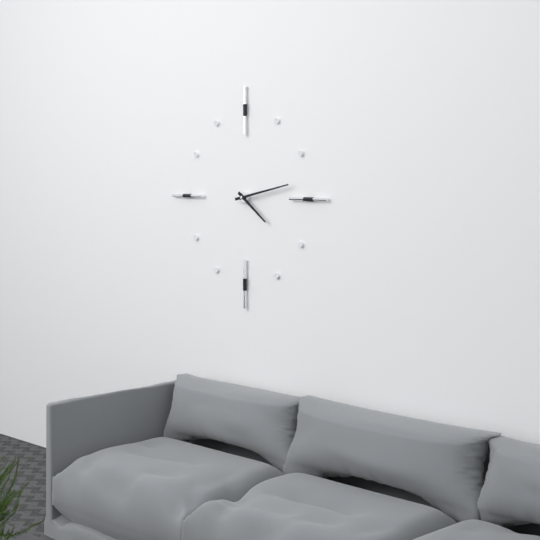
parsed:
4:13
